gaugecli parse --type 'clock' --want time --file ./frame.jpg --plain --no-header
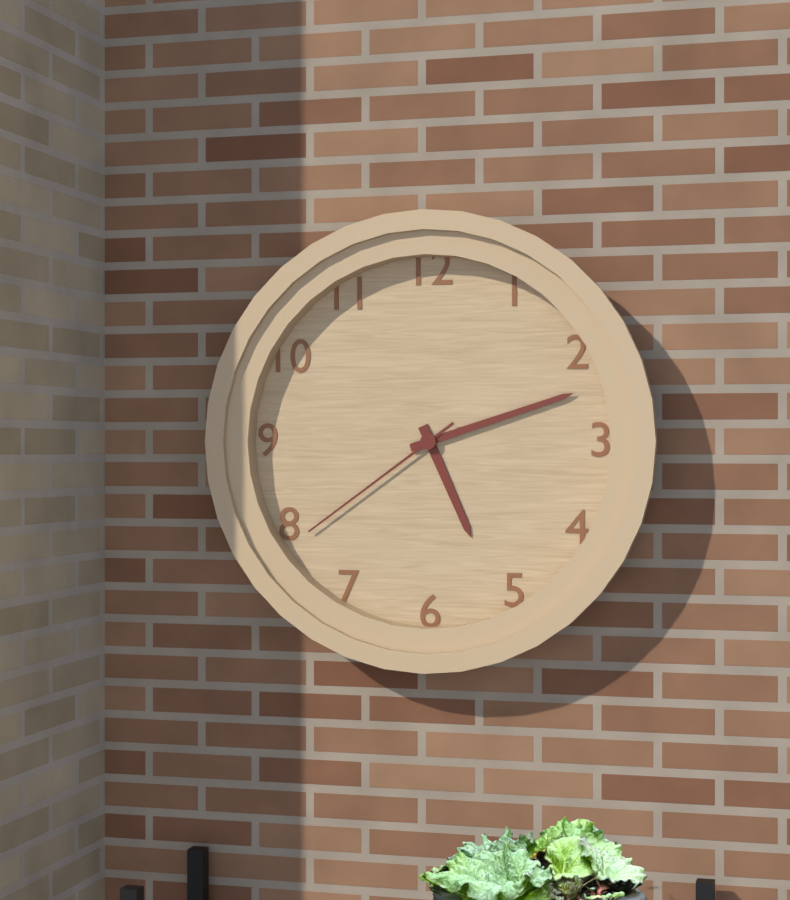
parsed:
5:12:39
